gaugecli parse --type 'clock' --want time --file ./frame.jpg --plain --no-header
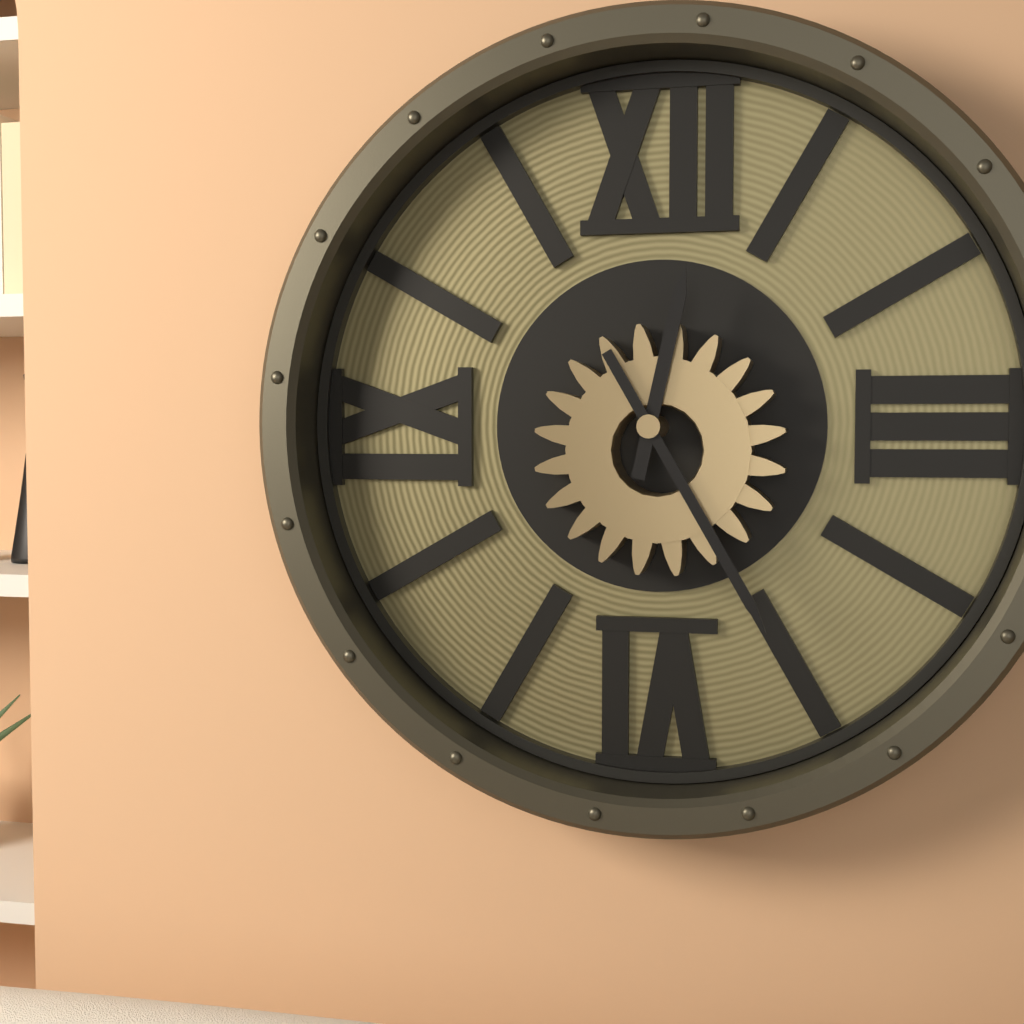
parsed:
12:25
